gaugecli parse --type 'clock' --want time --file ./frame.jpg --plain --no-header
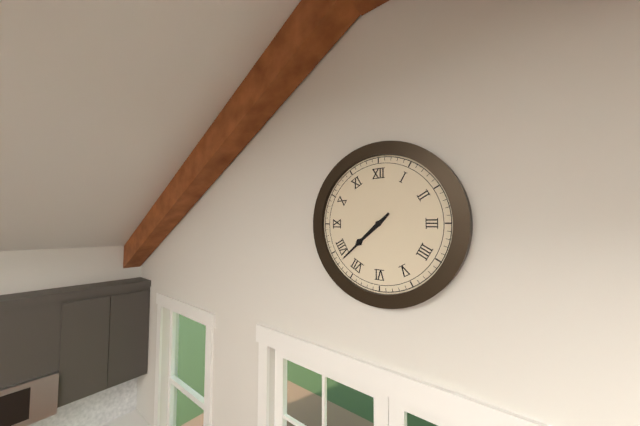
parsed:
7:38
